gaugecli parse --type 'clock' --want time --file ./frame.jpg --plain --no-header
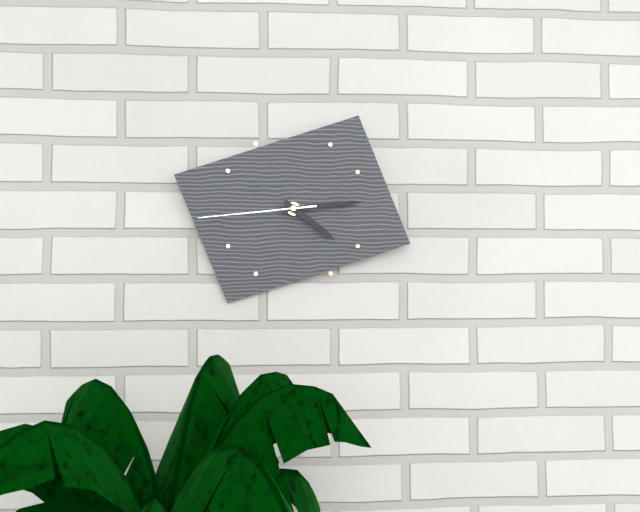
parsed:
4:14:44
